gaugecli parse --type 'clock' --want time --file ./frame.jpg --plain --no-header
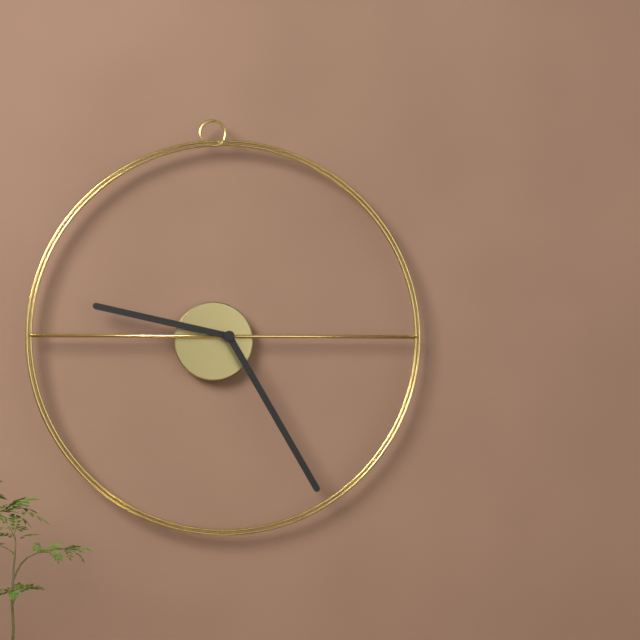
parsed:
9:25
